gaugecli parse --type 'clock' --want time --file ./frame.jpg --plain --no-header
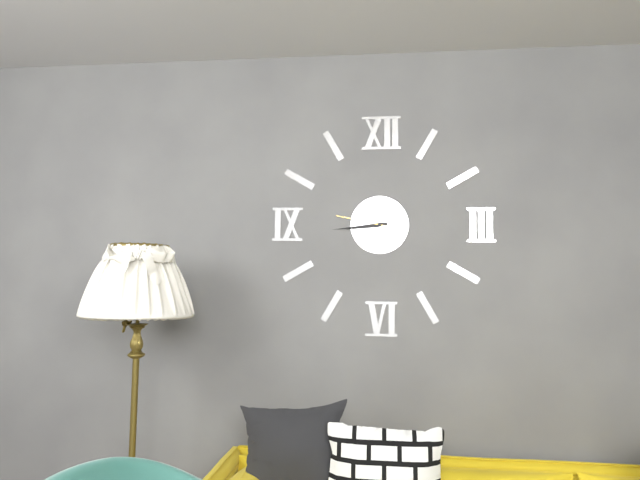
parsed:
8:44:47
